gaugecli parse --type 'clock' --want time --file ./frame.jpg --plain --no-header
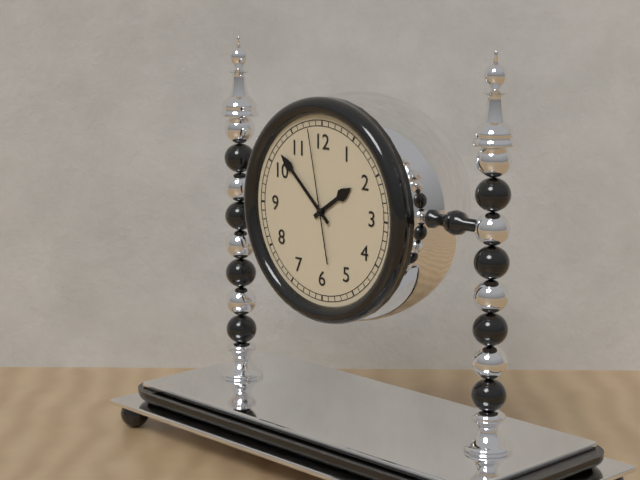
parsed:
1:52:58
